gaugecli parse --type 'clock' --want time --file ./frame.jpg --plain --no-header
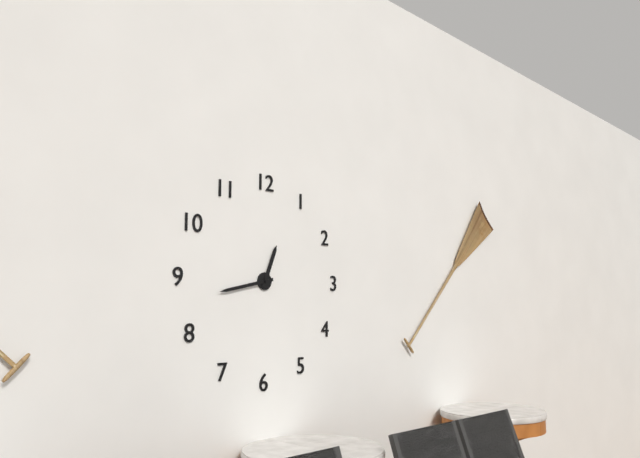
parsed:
12:43
